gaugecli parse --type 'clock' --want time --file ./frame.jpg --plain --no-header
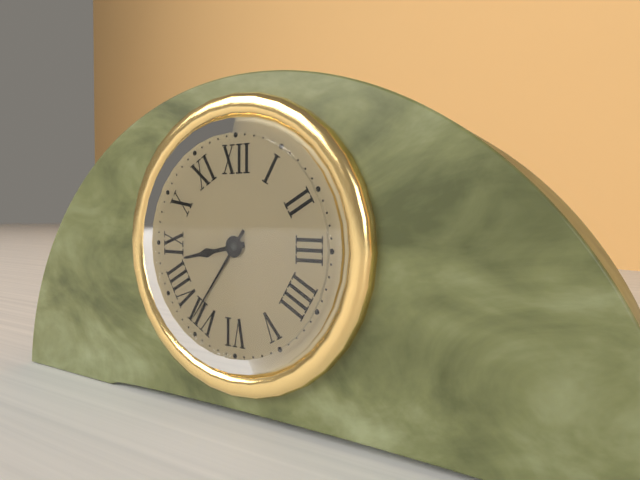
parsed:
8:36
